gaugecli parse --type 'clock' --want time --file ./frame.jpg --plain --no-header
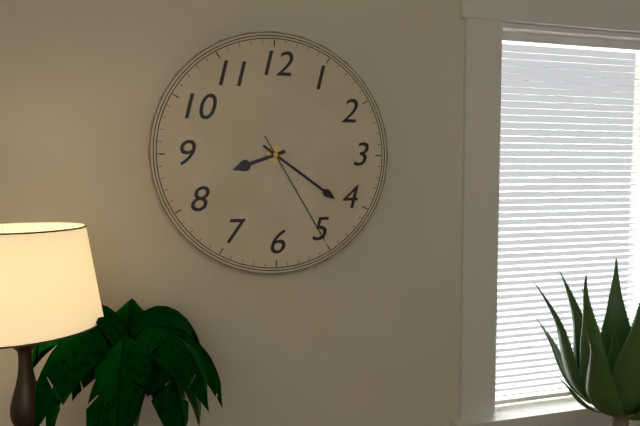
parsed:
8:21:25
